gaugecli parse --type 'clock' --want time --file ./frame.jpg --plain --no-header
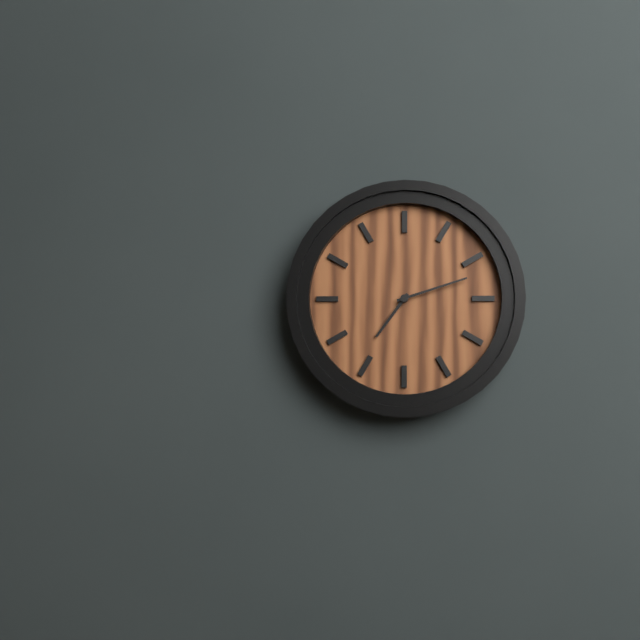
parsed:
7:12
